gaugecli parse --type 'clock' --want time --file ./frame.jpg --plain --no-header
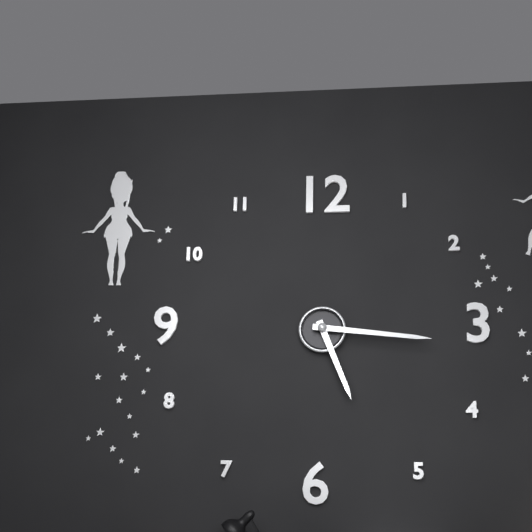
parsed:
5:16
